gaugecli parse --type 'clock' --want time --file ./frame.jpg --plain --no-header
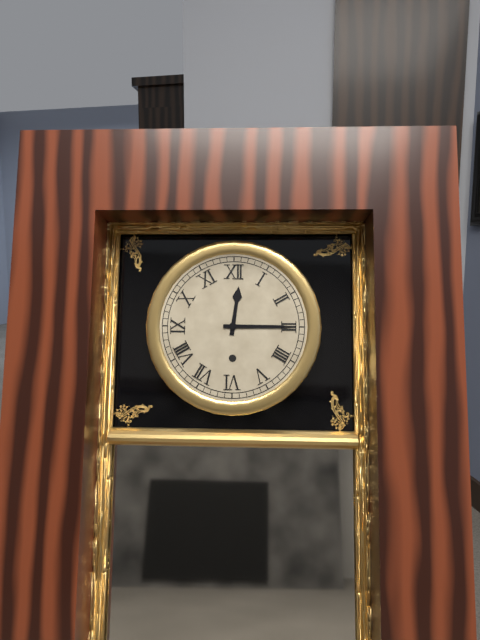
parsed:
12:15
